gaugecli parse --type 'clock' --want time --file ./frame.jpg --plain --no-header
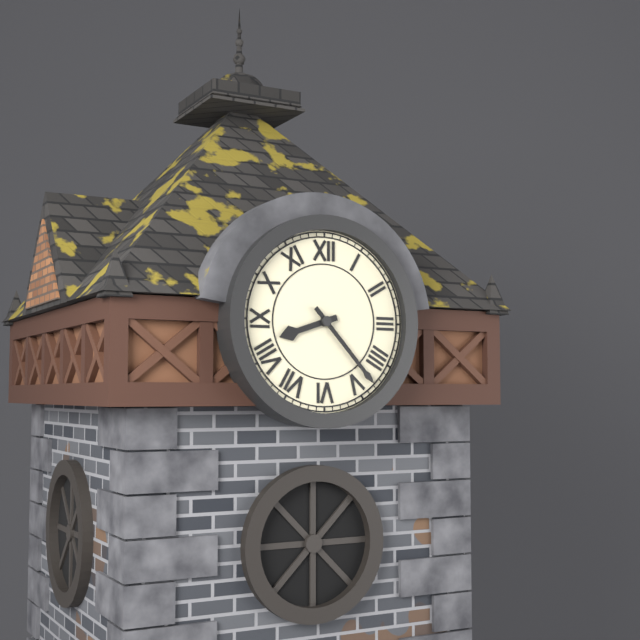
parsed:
8:23
